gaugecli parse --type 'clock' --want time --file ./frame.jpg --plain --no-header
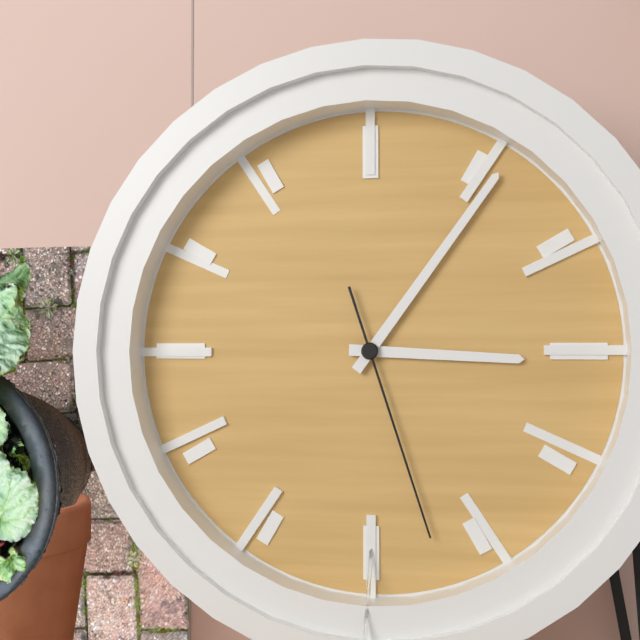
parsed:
3:06:27
